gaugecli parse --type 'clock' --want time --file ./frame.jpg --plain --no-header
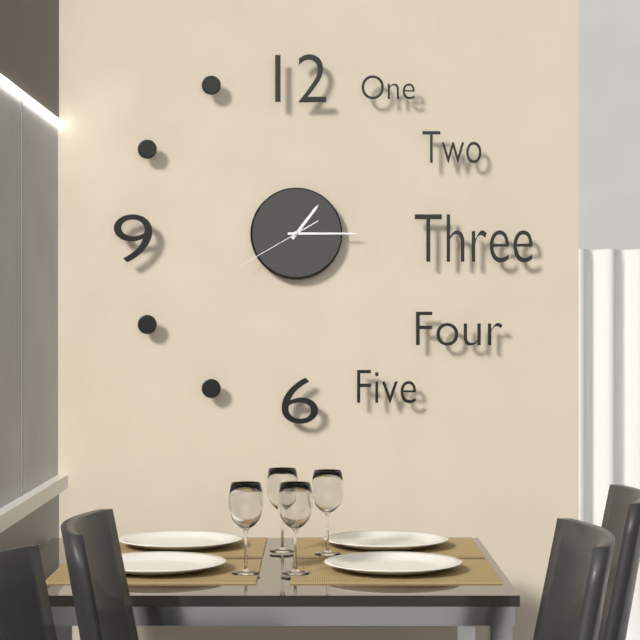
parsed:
1:15:40
